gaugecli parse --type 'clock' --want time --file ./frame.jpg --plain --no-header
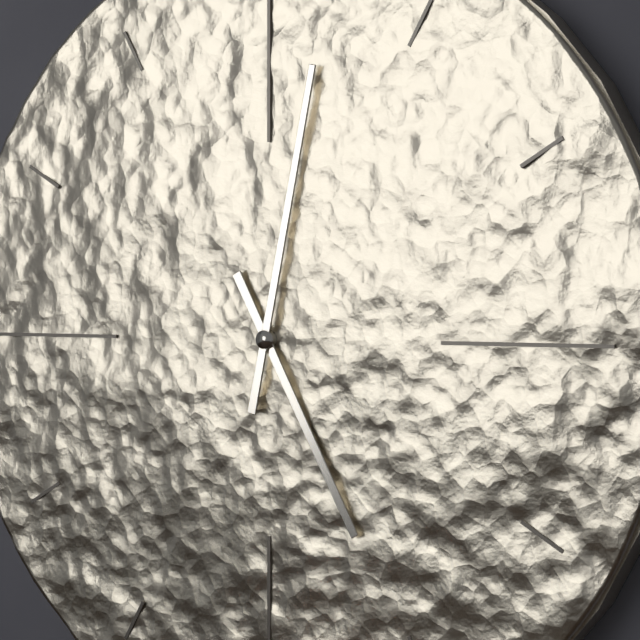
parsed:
5:02
